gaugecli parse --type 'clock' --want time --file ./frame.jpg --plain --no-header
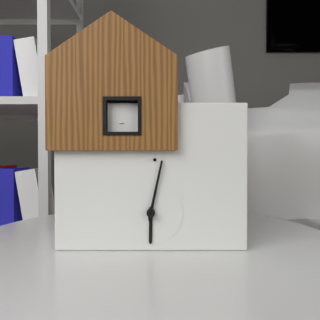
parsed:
6:02
